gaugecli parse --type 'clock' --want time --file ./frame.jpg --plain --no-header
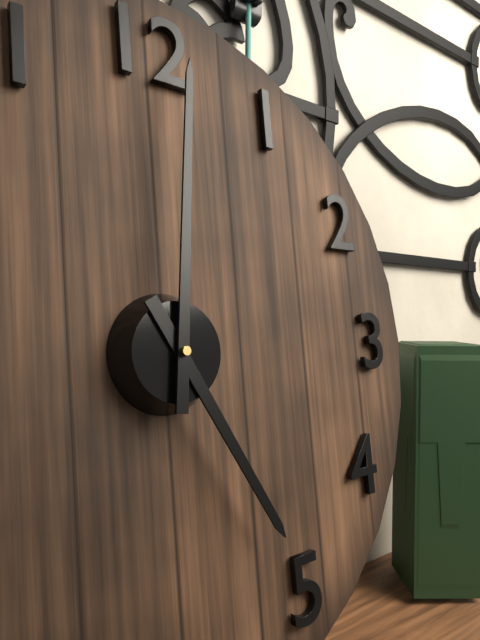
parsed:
5:01
